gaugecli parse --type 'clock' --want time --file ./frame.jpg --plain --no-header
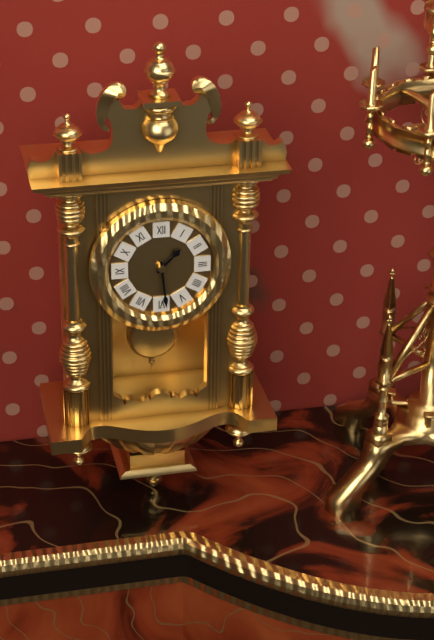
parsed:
1:29
